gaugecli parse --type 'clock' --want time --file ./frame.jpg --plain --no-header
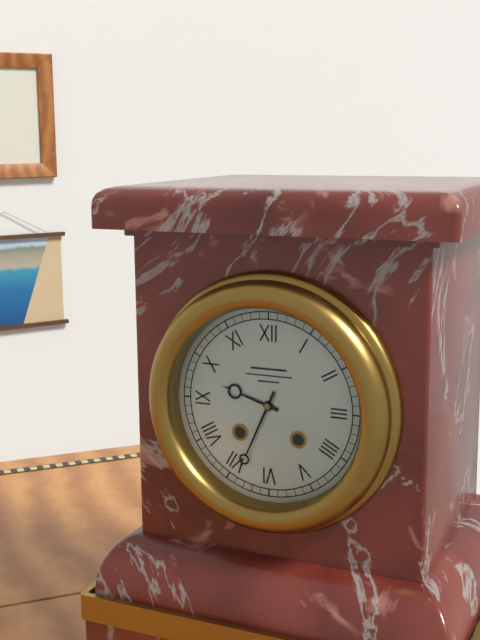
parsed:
9:34
